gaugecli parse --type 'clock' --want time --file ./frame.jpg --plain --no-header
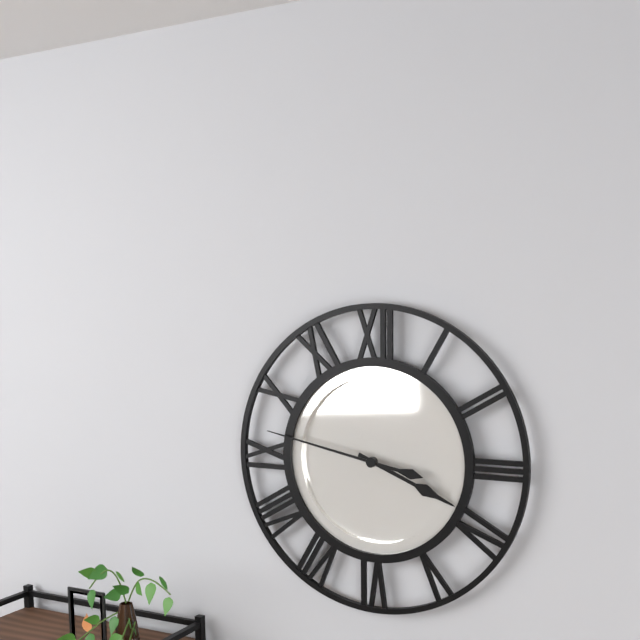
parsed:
3:47
